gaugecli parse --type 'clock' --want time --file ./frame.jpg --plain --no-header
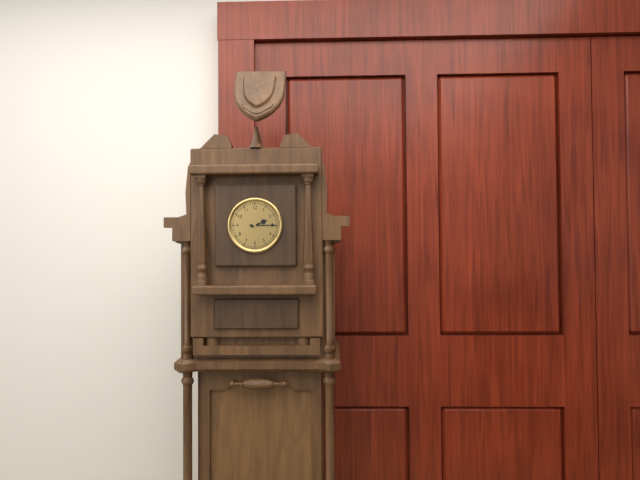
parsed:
2:15
